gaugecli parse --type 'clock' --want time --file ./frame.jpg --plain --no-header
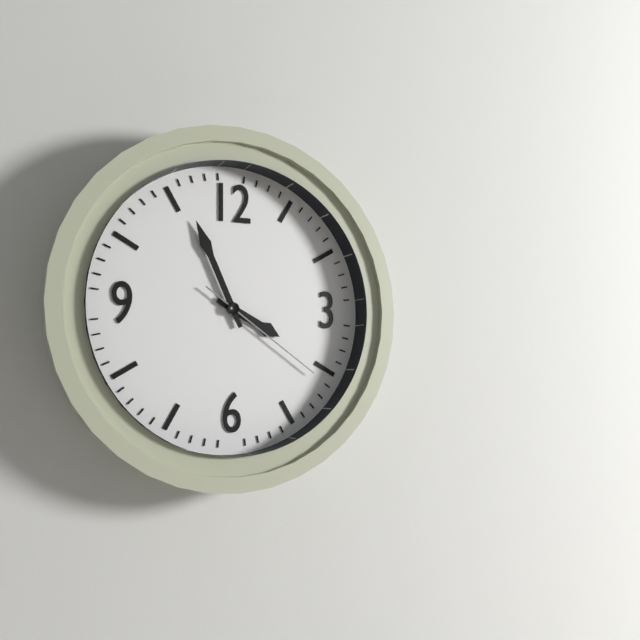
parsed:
3:56:21
